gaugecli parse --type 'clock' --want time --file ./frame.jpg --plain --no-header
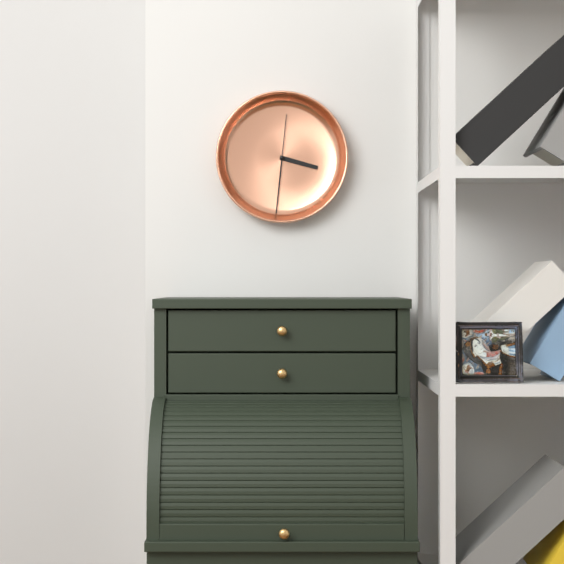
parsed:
3:31:01
